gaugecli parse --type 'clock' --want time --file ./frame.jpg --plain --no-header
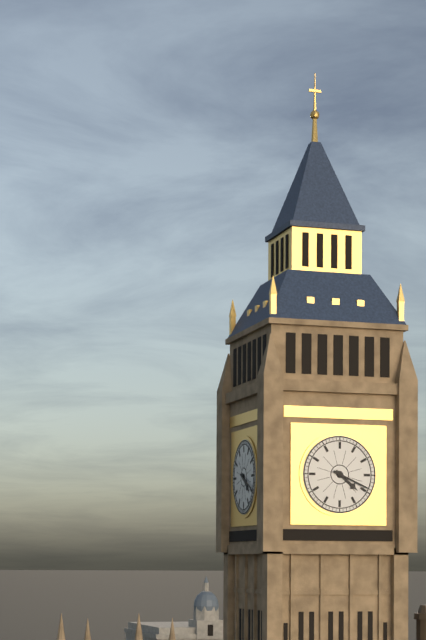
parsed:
4:19
